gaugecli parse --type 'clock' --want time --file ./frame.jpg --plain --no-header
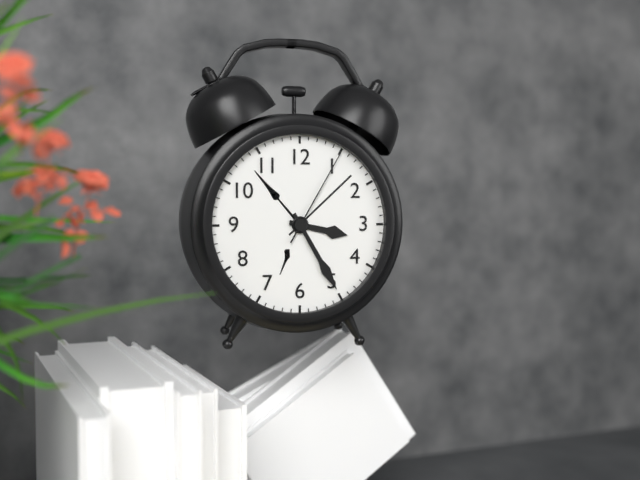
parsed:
3:25:05
